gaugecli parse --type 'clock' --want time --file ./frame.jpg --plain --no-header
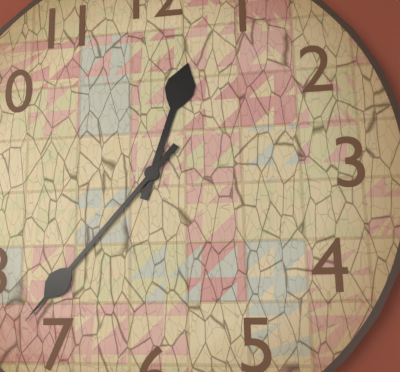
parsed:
12:37
